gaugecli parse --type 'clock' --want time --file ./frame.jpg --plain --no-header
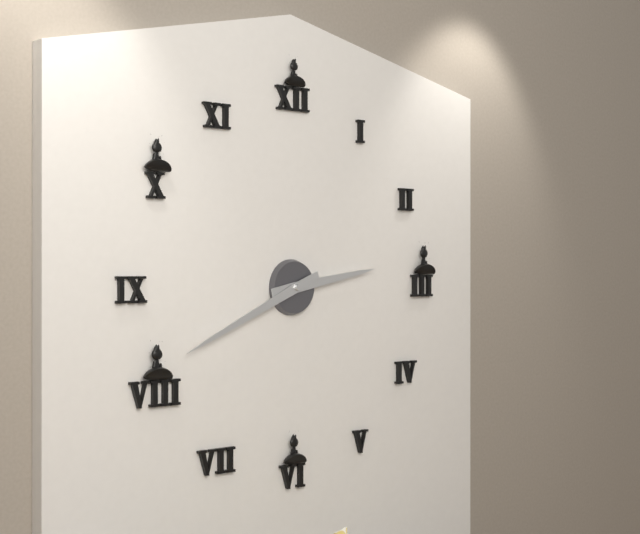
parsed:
2:41
